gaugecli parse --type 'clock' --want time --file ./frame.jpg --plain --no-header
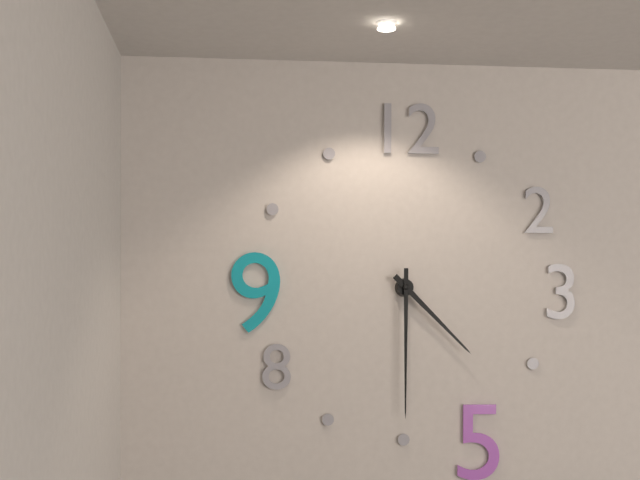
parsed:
4:30
